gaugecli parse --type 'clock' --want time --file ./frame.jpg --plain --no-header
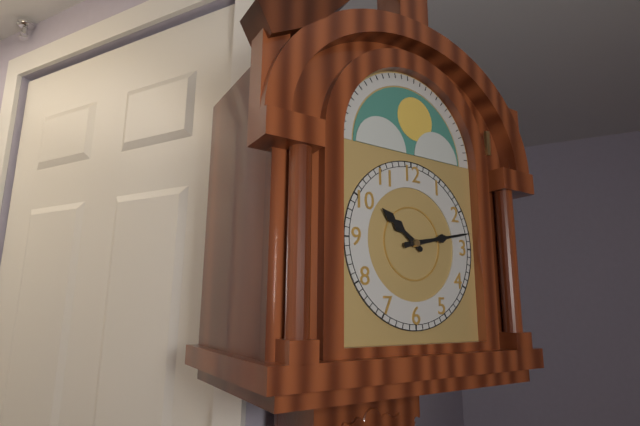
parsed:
10:13
